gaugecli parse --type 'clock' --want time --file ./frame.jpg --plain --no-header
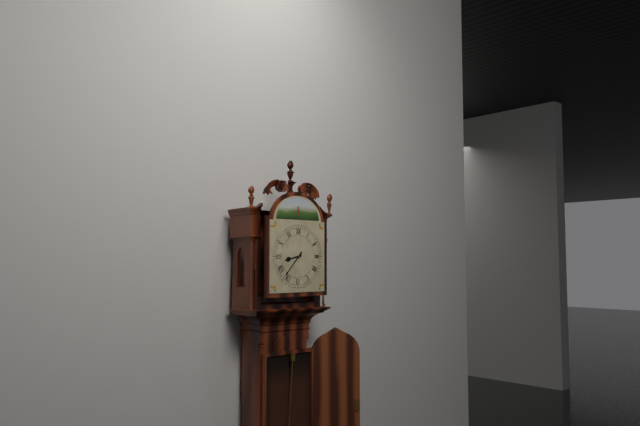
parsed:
8:37
